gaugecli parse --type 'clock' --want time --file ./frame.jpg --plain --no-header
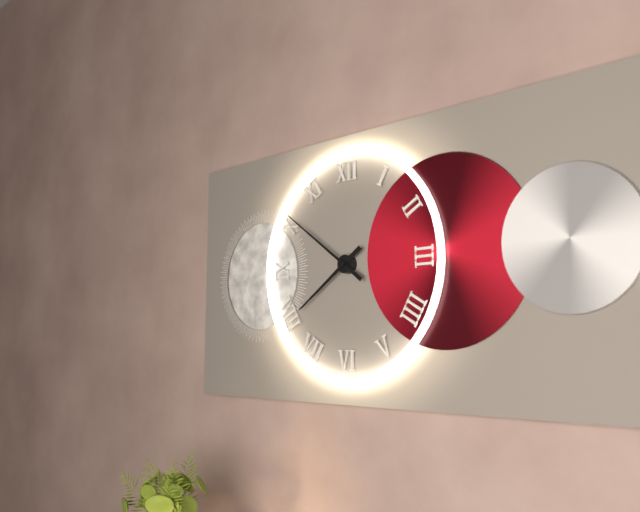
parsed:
7:51
